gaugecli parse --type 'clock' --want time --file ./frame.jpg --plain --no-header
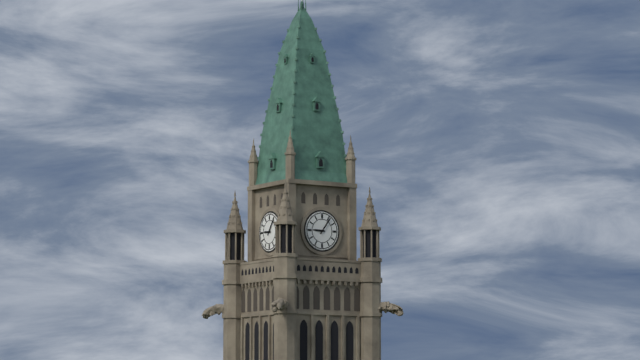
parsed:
9:06
